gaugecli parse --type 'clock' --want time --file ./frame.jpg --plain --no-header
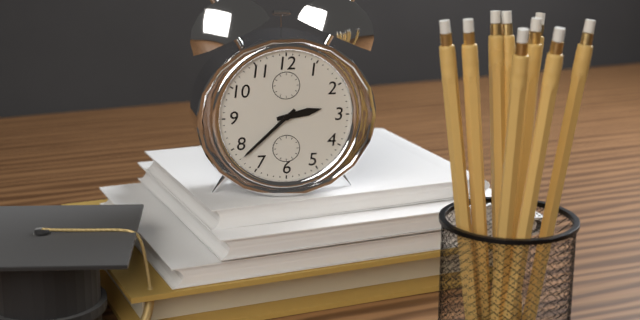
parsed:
2:38
